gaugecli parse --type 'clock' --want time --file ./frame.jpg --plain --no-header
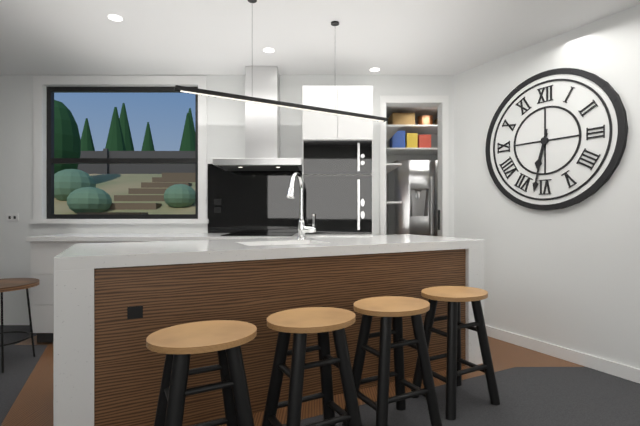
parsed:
6:32
